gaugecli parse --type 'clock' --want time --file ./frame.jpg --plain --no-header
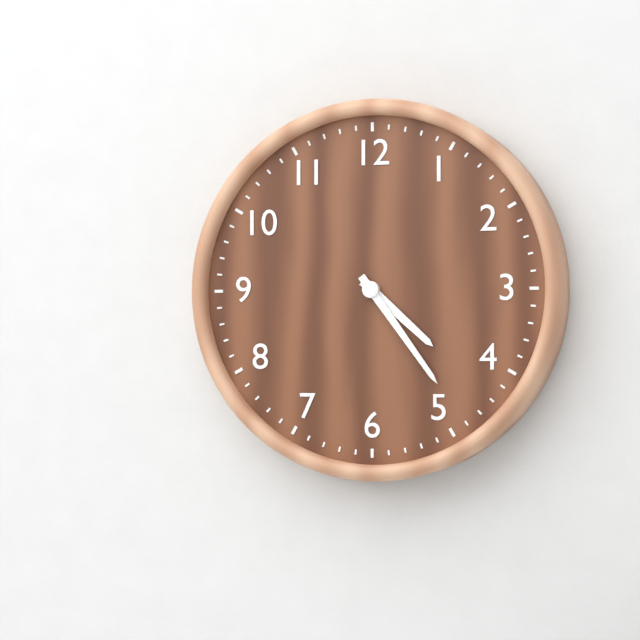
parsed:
4:24
